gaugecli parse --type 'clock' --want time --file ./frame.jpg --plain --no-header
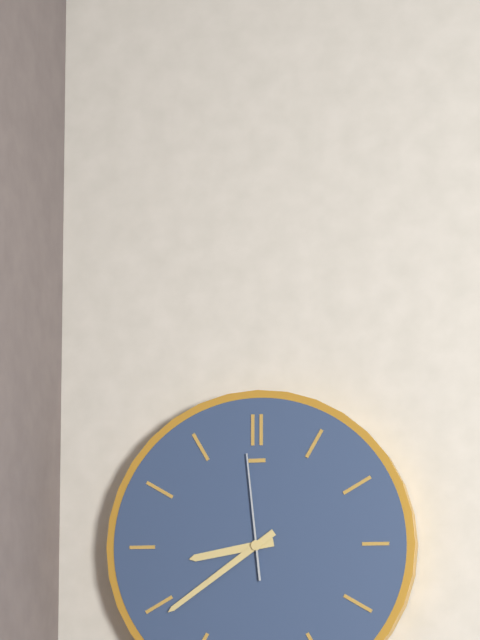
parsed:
8:39:59
